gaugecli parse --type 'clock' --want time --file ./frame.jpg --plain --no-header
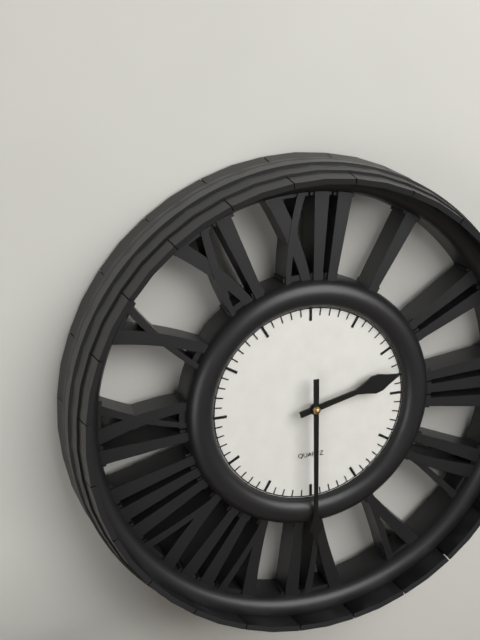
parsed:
2:30
